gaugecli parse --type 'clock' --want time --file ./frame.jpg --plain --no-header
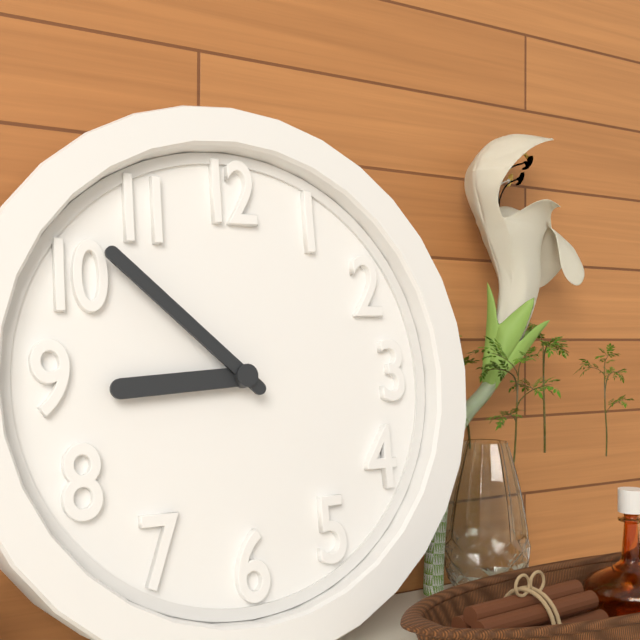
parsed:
8:52
